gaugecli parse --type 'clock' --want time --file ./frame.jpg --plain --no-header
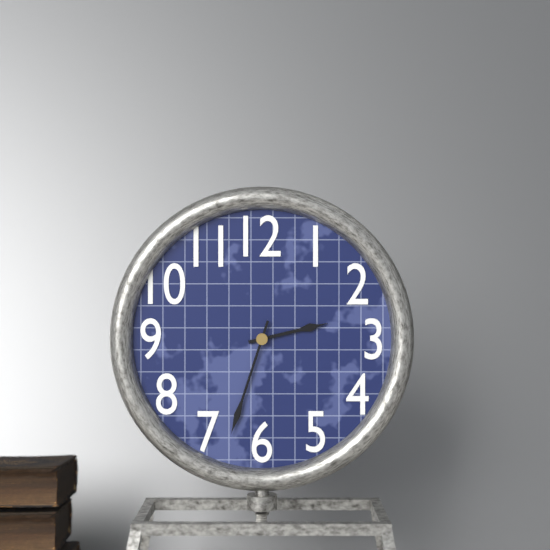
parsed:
2:33
